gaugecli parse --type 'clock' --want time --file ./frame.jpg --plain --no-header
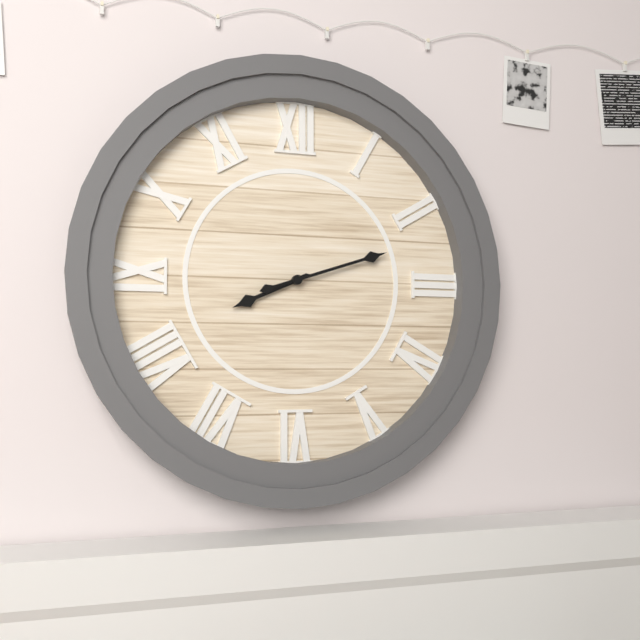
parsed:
8:12
